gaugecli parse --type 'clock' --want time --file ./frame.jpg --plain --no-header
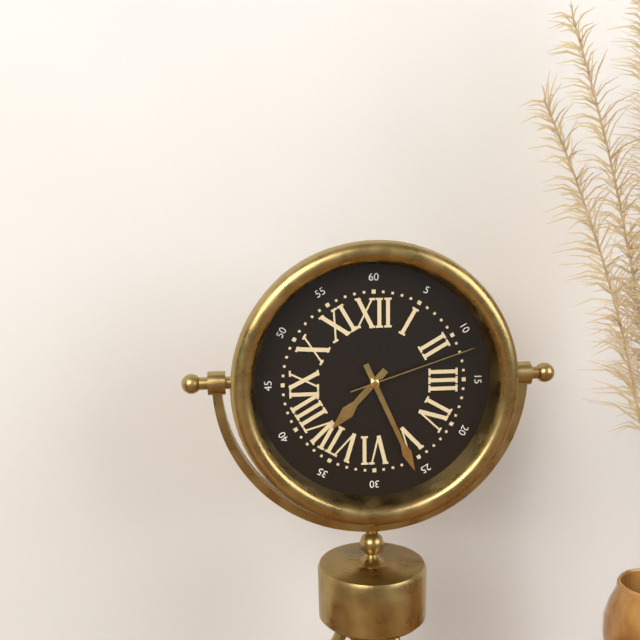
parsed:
7:26:12
